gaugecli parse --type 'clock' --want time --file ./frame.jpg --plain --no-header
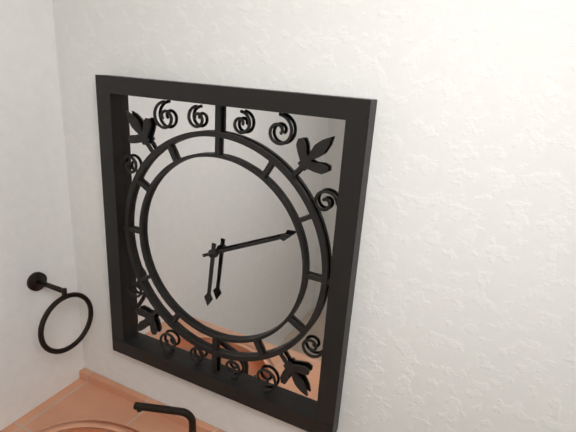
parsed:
6:11
